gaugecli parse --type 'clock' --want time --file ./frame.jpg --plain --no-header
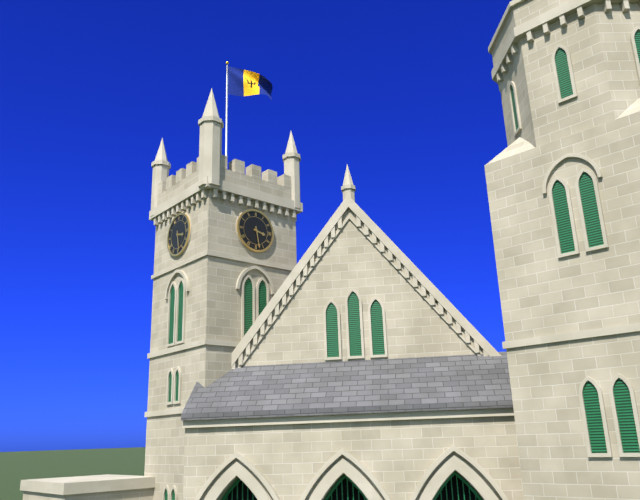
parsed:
3:28
